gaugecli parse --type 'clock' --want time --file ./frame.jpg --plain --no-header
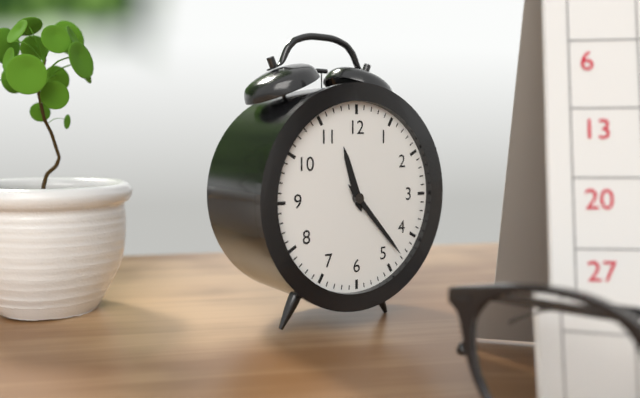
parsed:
11:23
